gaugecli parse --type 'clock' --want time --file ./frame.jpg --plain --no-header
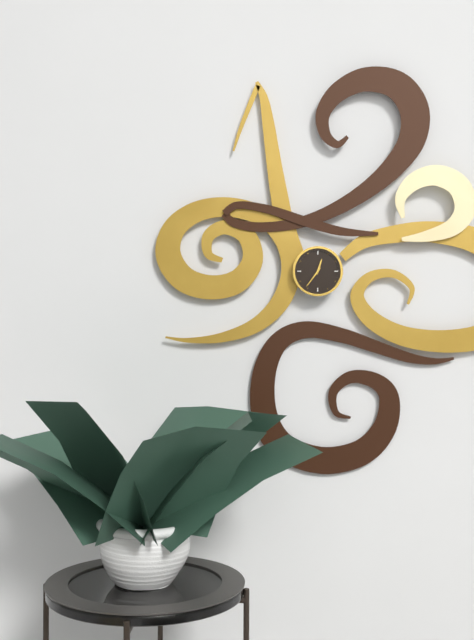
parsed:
12:36
